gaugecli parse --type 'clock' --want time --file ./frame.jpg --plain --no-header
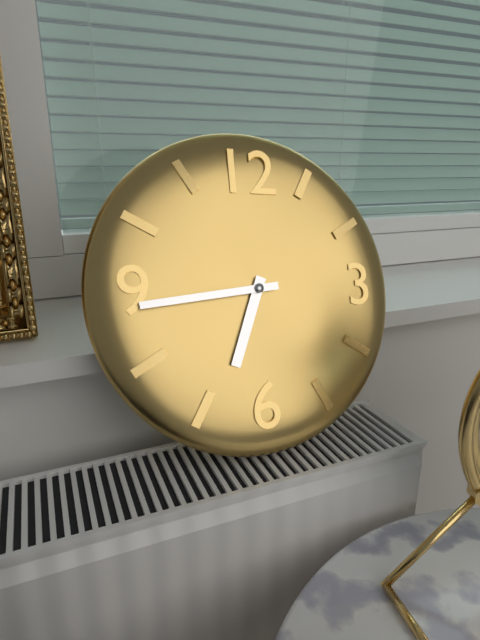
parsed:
6:44
